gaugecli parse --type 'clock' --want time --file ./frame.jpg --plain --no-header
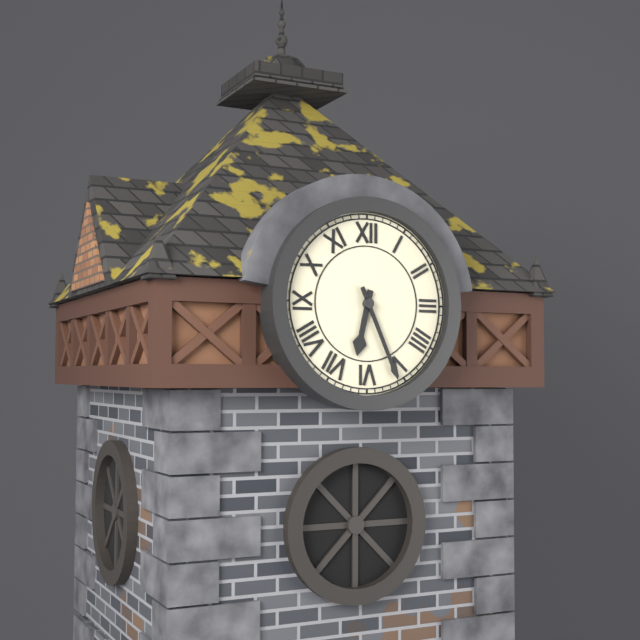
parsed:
6:26
